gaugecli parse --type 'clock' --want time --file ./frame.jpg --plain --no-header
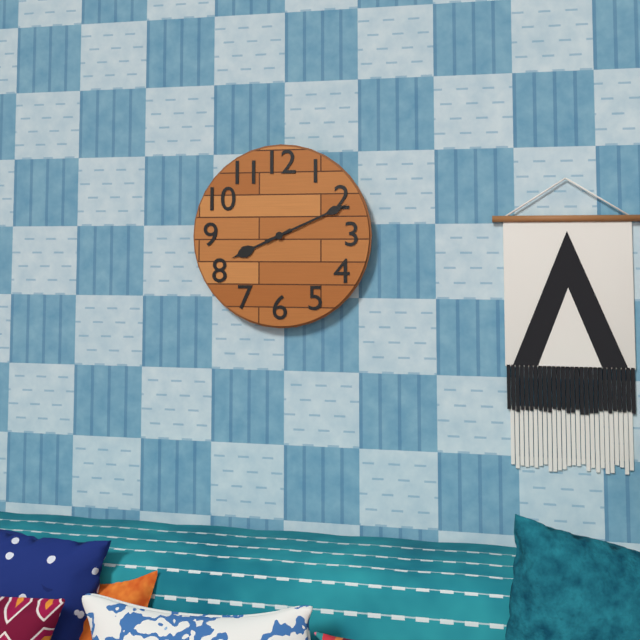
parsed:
8:11
